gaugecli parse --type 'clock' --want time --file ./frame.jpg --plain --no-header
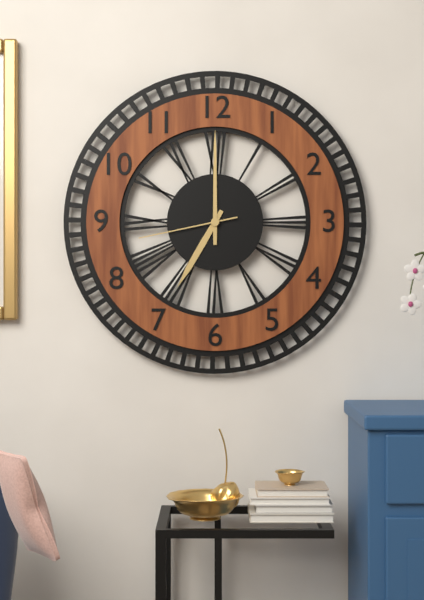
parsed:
7:00:43
